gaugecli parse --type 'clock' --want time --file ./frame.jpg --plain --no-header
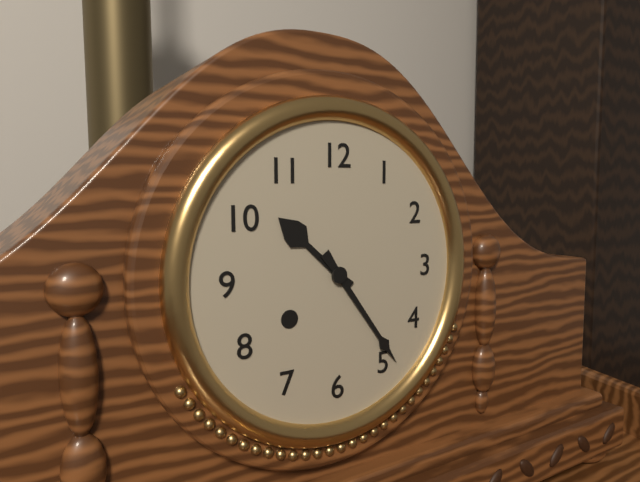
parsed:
10:24
